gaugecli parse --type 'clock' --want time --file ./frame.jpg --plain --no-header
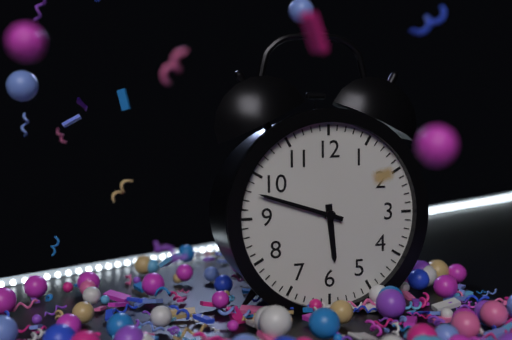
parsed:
5:48
